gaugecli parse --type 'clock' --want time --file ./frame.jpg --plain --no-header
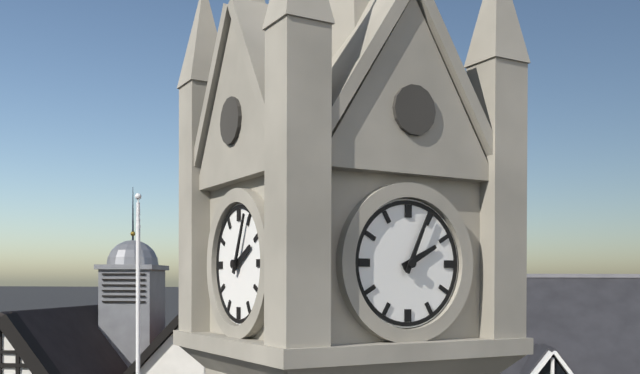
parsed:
2:04
